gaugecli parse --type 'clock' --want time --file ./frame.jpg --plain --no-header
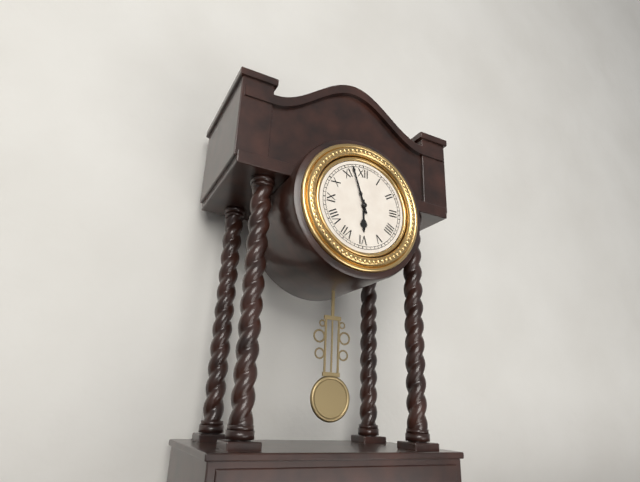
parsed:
5:57
